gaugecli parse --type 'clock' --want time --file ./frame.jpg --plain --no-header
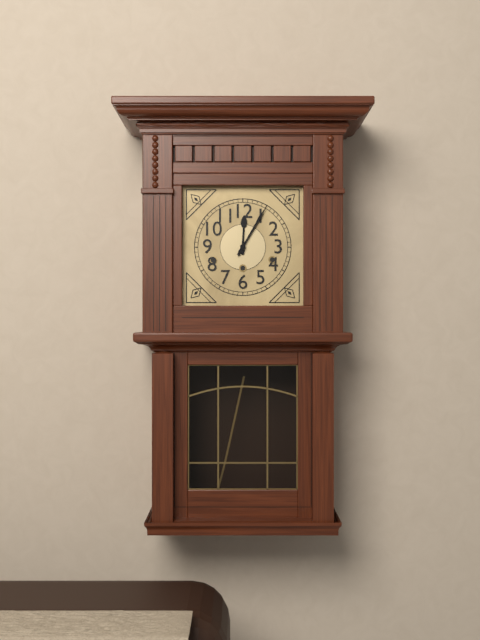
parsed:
12:05
